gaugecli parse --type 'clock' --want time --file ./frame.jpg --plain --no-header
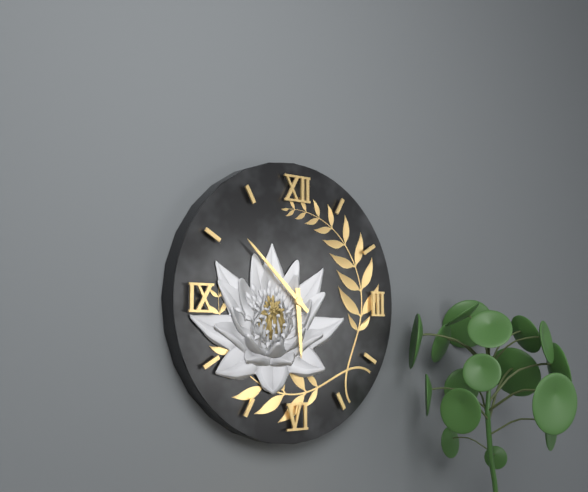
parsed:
5:52
